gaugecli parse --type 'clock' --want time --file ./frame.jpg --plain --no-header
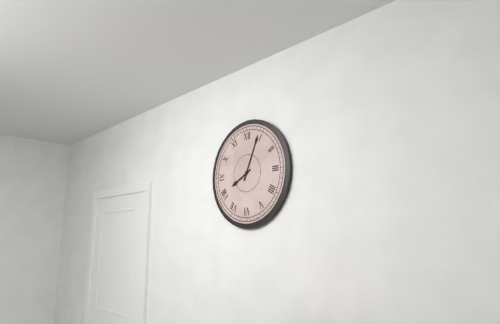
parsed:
8:04
